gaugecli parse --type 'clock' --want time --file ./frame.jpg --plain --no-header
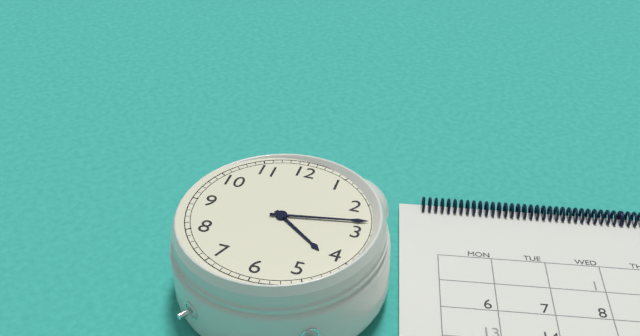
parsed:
4:13
